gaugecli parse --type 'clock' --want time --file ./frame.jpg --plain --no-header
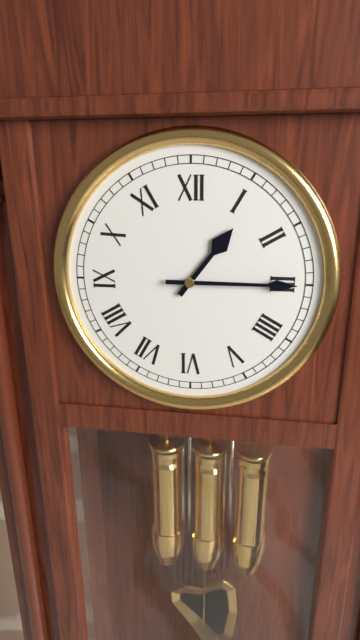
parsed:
1:15
